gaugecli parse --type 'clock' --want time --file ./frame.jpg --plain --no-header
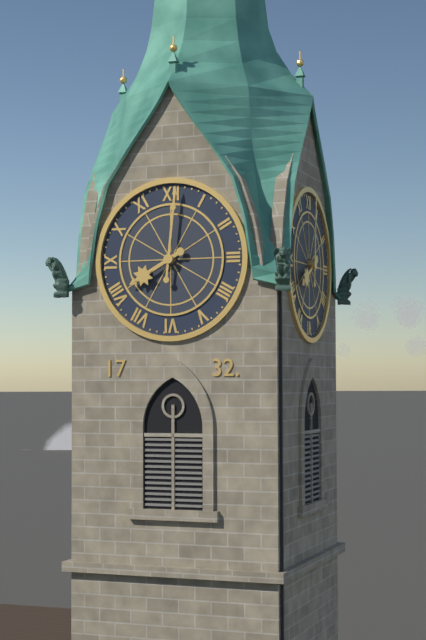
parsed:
8:01
